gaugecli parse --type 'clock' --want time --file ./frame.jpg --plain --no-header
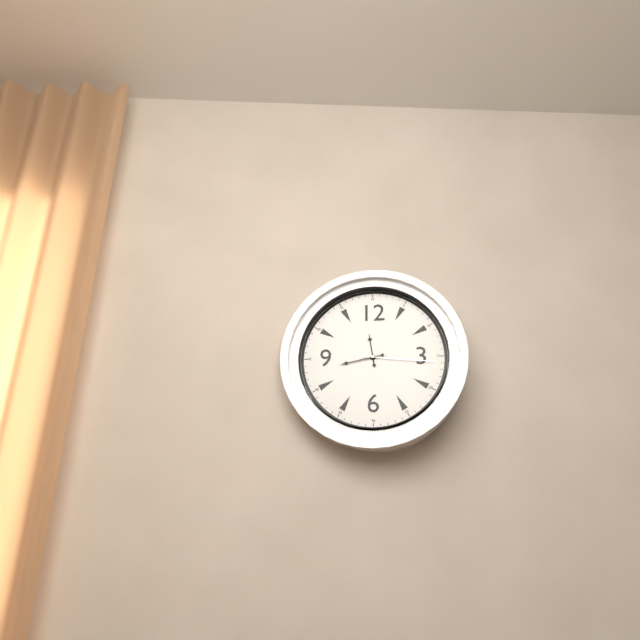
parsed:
11:43:16
